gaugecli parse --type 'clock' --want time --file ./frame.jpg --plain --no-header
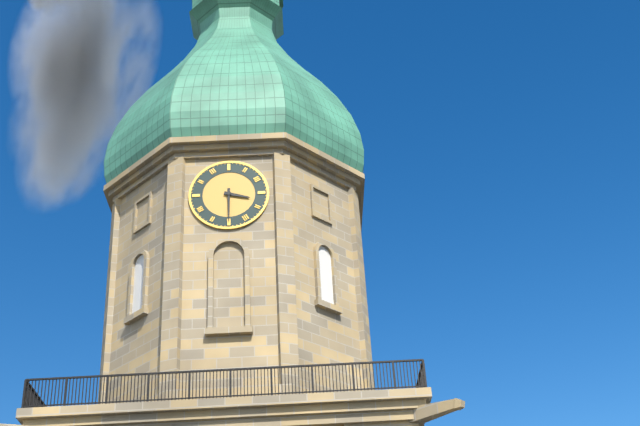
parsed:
3:30
